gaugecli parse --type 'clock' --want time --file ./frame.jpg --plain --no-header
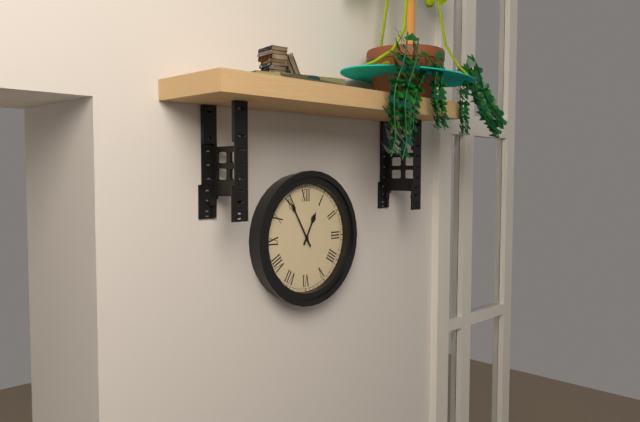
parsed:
12:55
